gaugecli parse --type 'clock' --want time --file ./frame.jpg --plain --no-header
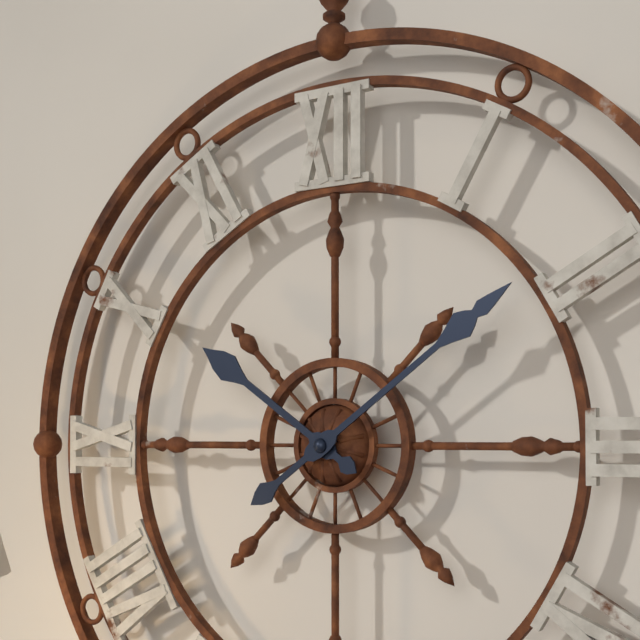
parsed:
10:09
